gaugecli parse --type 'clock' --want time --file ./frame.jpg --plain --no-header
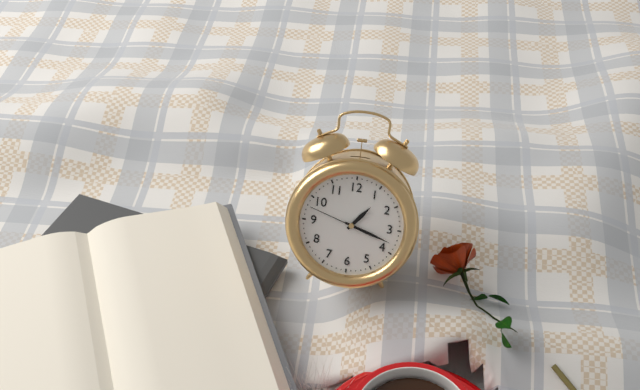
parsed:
1:18:48
